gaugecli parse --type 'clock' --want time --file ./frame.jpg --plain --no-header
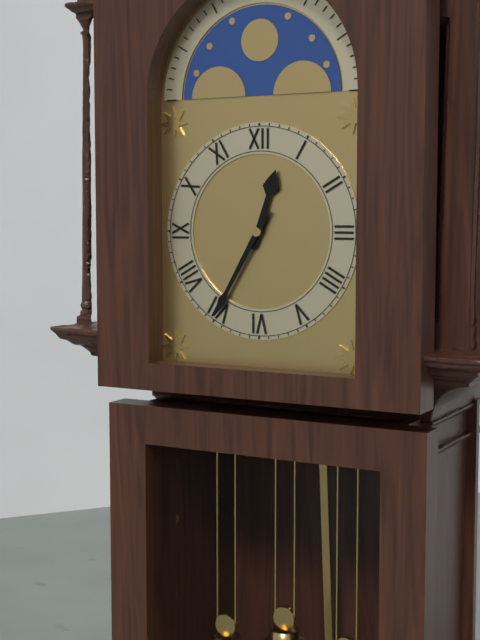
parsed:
12:35
